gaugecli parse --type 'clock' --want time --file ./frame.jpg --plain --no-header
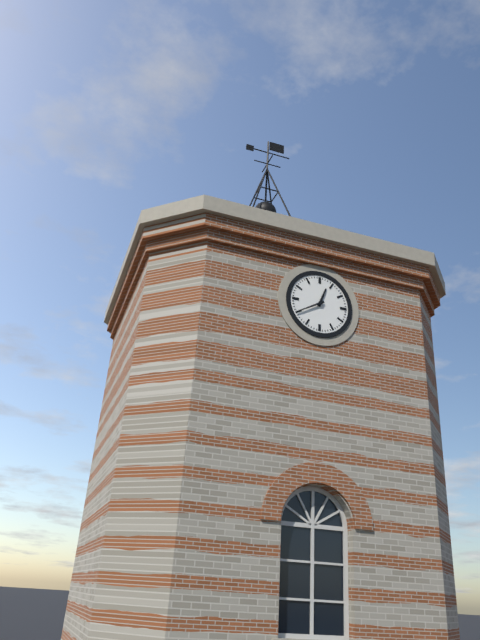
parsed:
12:40
